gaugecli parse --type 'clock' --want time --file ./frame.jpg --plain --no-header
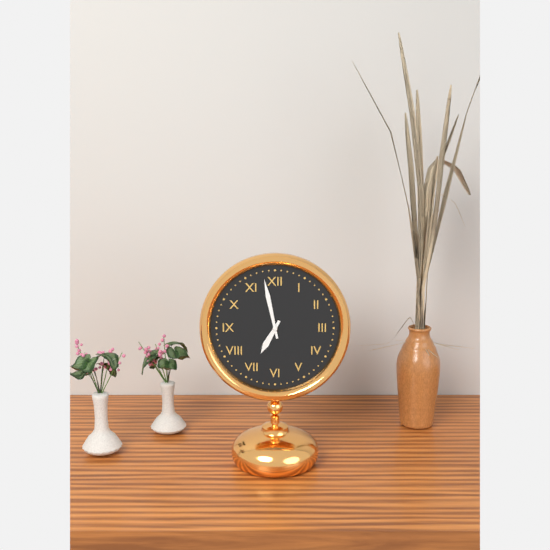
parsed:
6:58
